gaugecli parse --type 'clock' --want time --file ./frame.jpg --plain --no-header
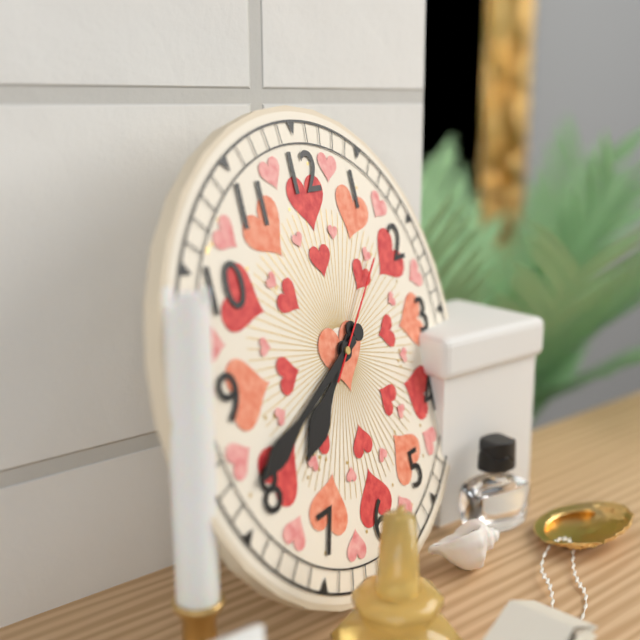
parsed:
7:41:08
